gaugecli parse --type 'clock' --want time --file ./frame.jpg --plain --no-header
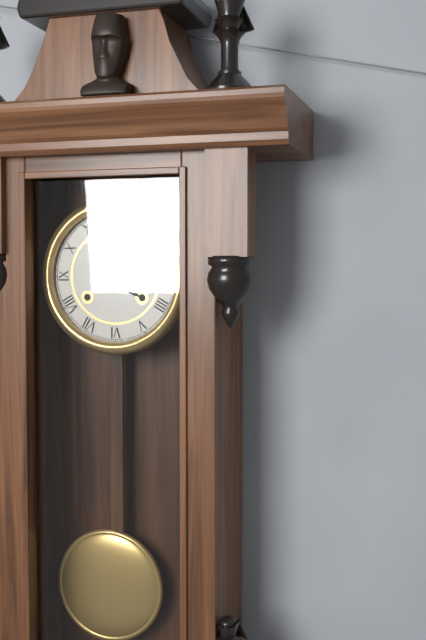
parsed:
4:16
